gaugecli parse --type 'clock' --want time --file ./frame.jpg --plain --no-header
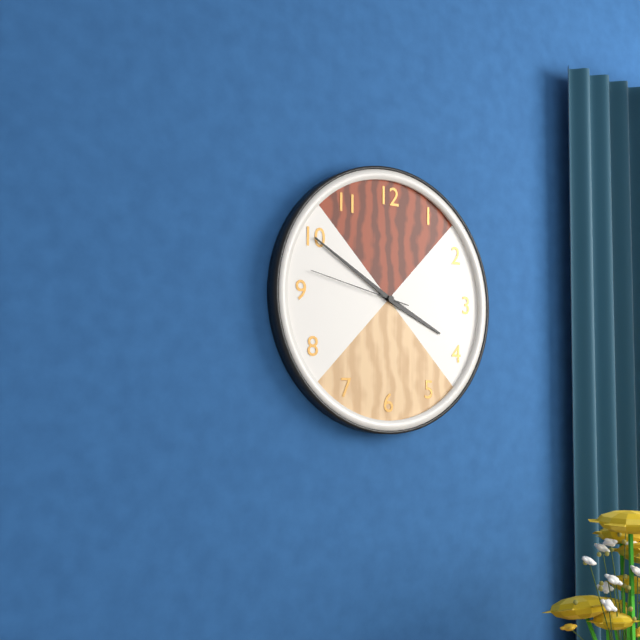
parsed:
3:50:47
